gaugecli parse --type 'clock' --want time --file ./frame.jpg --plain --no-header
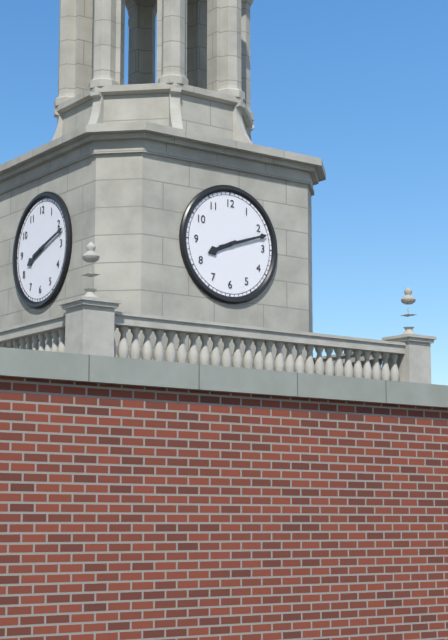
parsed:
8:12
